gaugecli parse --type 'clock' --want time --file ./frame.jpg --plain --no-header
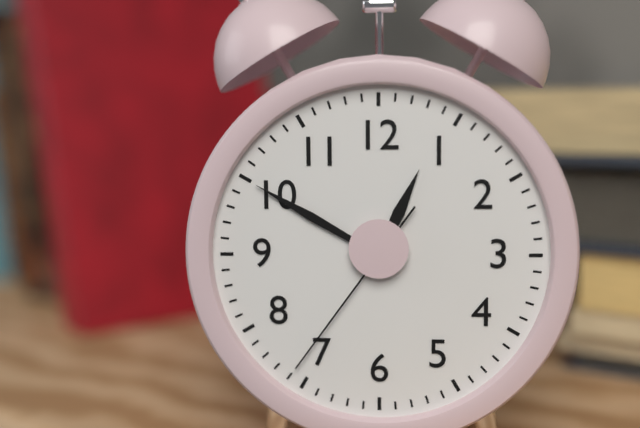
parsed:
12:50:36
